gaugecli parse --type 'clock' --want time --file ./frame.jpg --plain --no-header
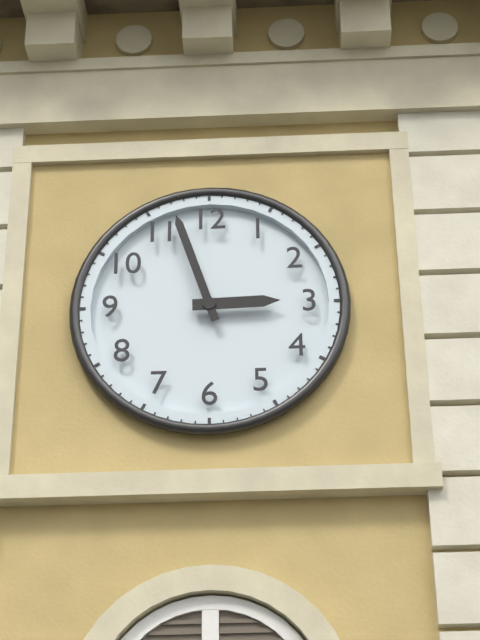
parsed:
2:57
